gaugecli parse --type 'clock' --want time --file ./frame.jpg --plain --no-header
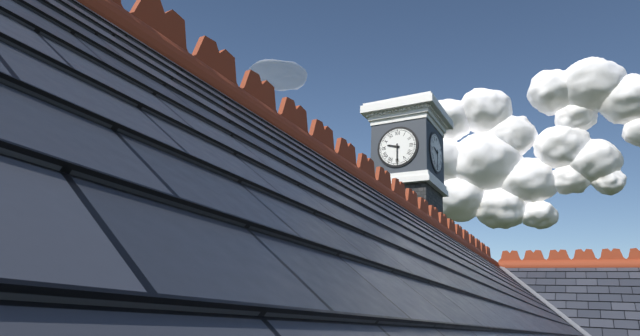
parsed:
9:30
